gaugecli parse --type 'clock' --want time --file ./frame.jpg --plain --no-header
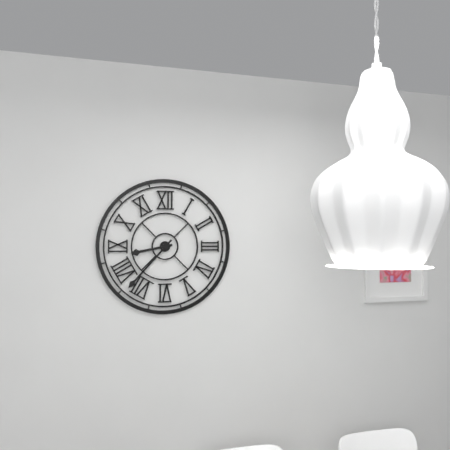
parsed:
8:37
